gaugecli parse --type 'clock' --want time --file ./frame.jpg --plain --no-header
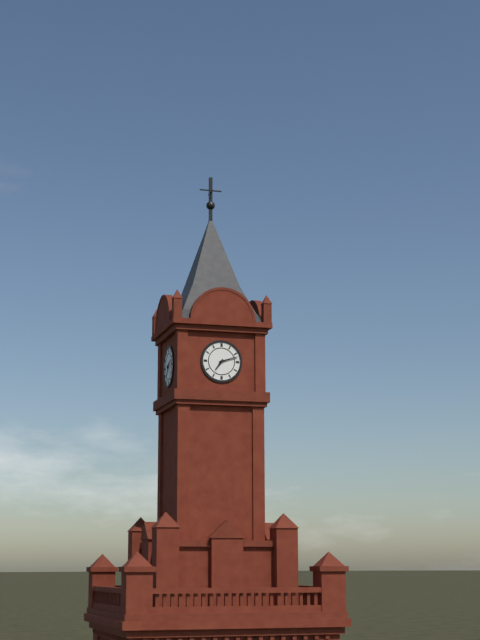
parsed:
7:12
